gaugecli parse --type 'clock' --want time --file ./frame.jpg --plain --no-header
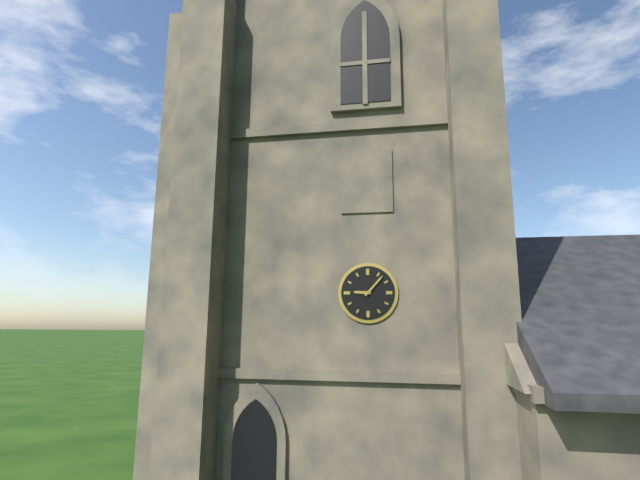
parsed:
9:07
